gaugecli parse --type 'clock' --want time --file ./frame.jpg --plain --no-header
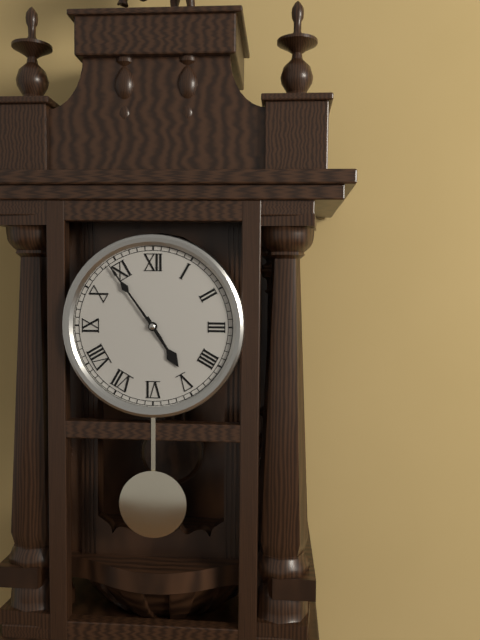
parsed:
4:54
